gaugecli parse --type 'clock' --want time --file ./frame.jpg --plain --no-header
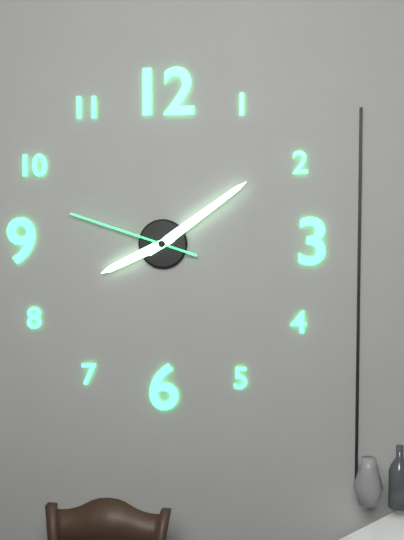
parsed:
8:09:48
